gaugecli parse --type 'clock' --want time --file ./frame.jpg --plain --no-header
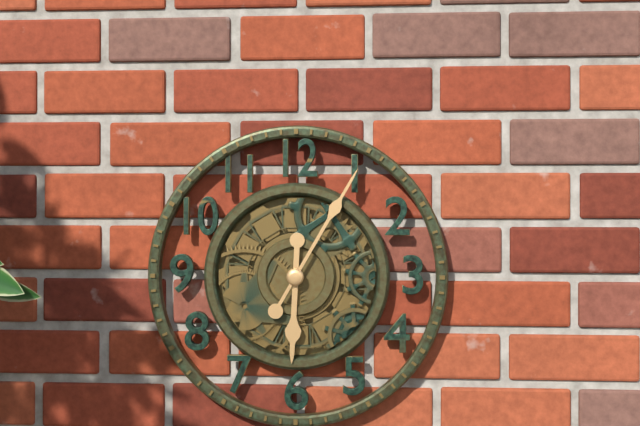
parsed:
6:05
